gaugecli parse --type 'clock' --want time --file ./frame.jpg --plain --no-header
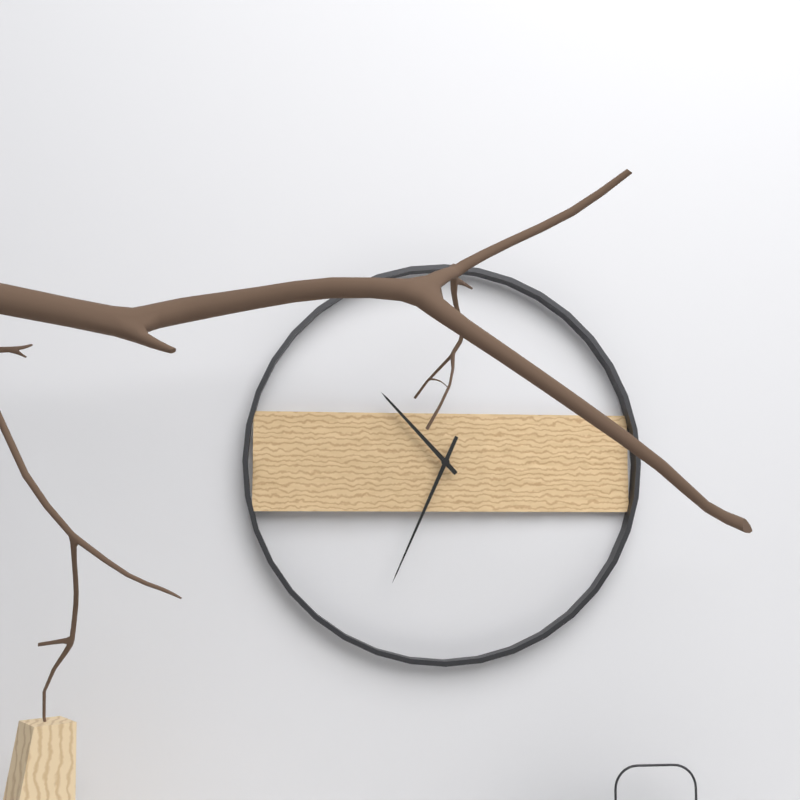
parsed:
10:34
